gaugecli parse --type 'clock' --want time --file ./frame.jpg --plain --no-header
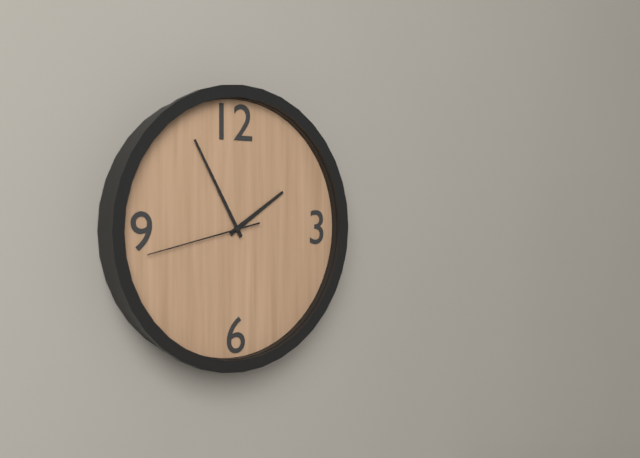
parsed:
1:55:43
